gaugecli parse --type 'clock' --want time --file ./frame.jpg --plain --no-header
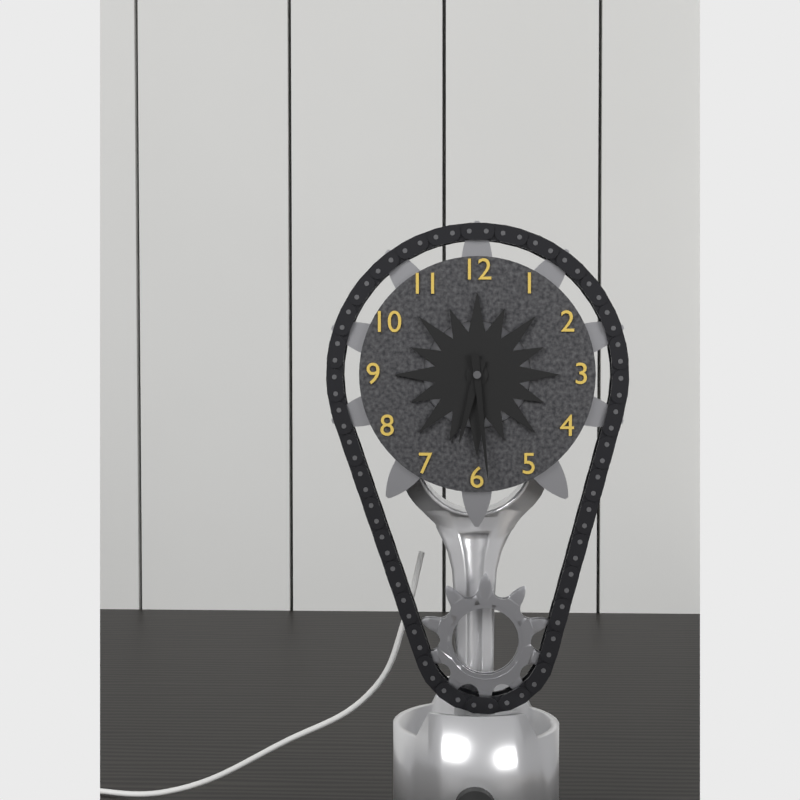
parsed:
6:29
